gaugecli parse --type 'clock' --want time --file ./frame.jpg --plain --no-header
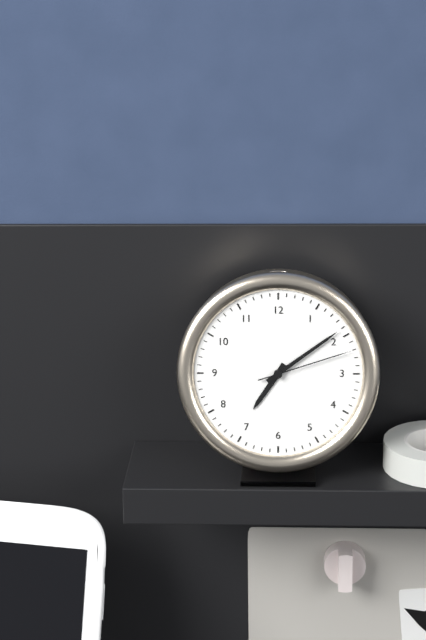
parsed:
7:09:12
